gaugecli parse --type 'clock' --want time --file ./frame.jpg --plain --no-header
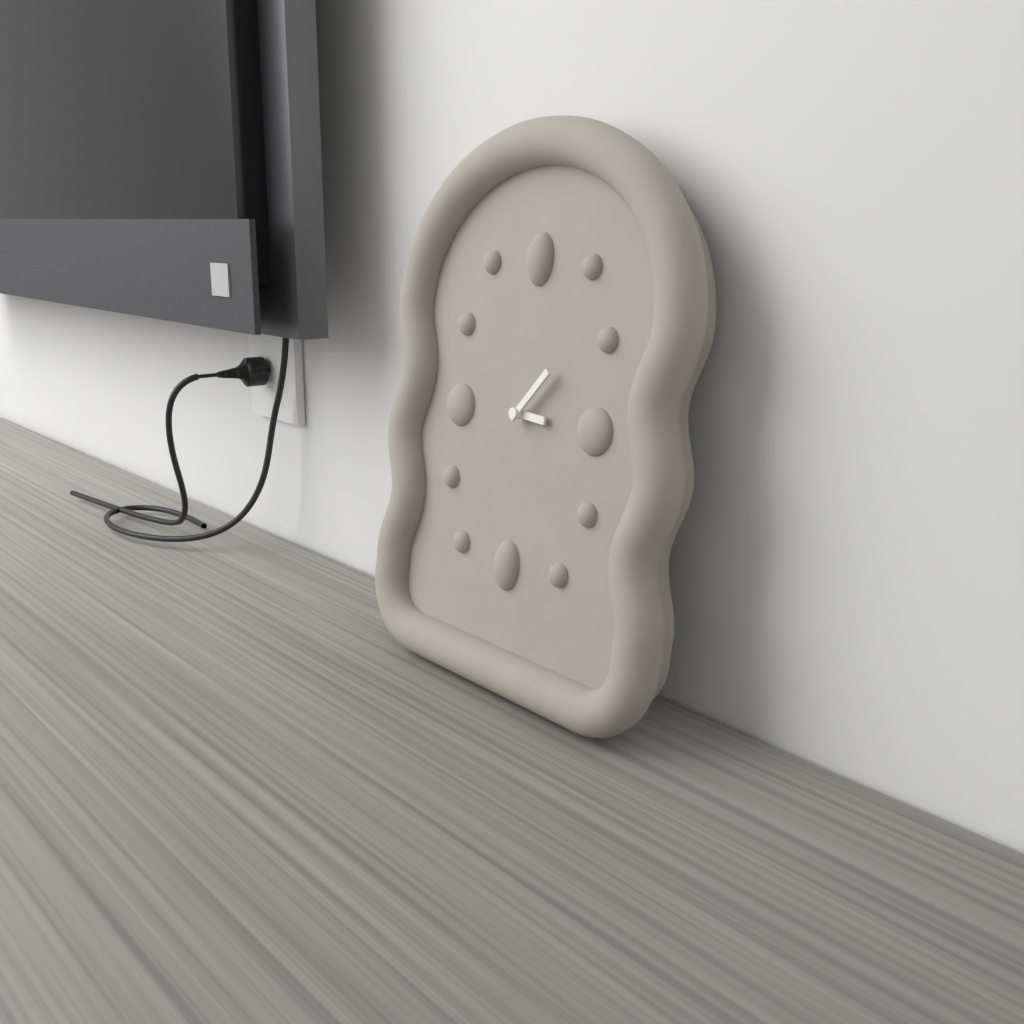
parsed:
3:07
